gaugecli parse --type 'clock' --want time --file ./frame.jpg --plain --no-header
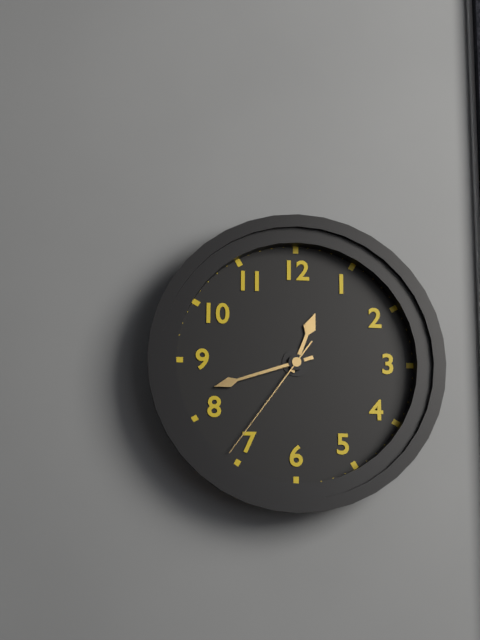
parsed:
12:42:36
